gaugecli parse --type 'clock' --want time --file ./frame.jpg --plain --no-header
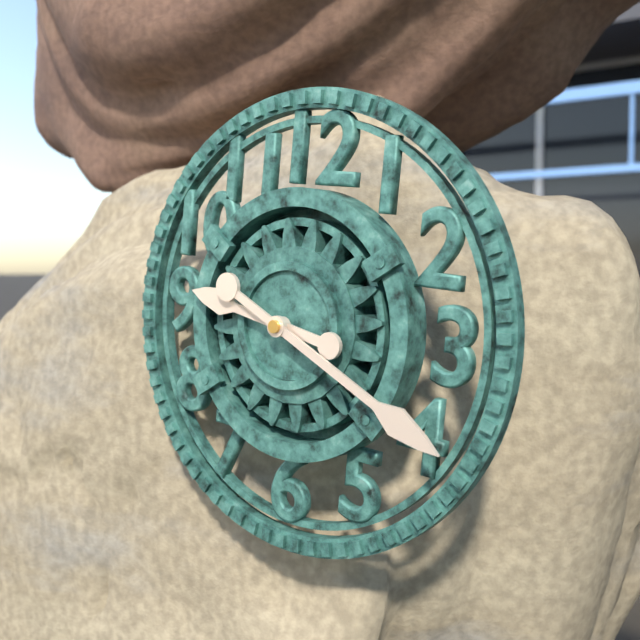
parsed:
9:19
